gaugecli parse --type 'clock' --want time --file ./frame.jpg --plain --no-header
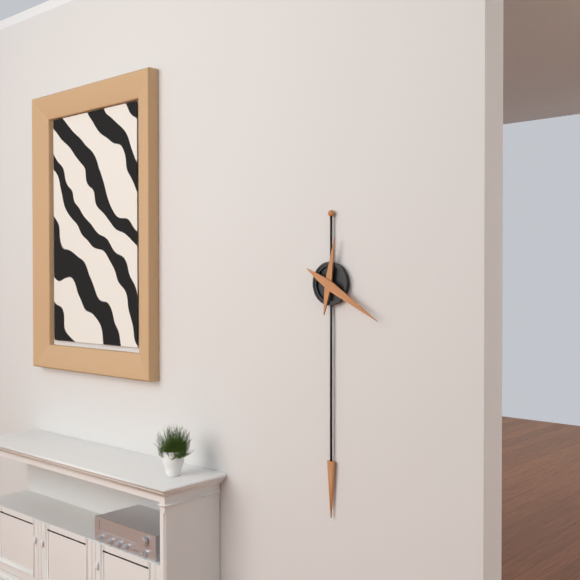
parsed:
12:20
